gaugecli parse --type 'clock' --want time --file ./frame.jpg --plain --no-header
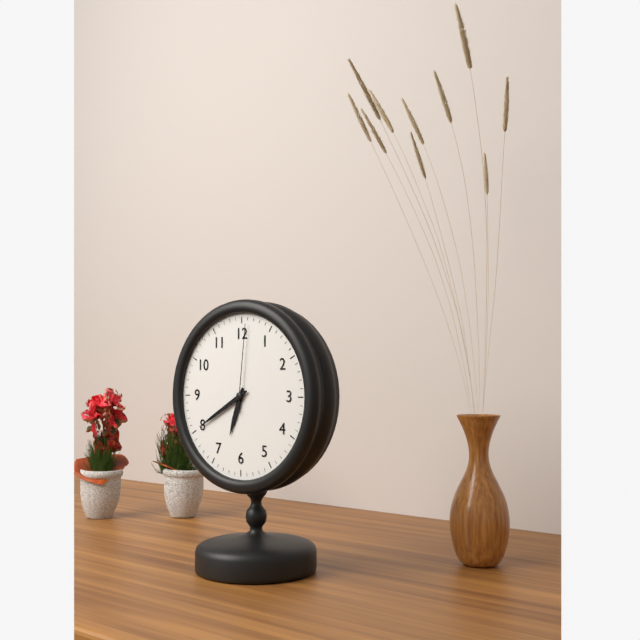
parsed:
6:40:01
